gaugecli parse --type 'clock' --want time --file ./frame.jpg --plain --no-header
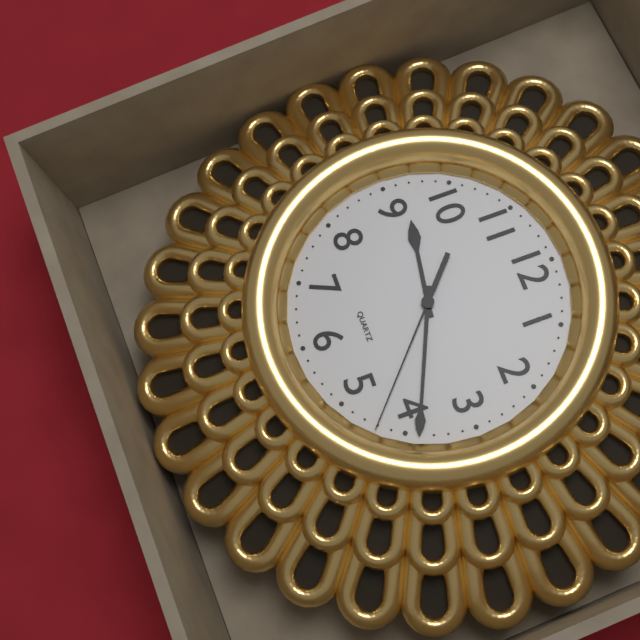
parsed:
9:19:22
